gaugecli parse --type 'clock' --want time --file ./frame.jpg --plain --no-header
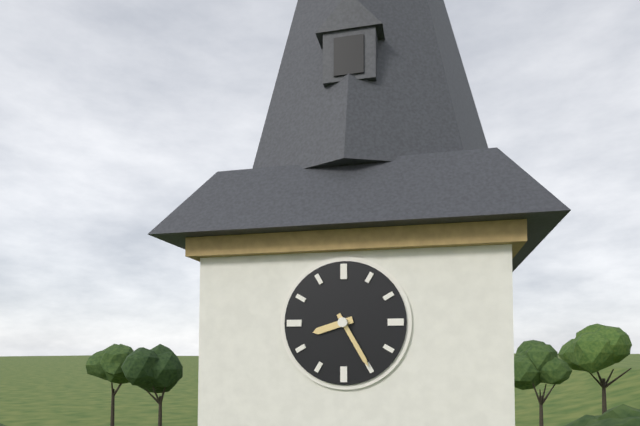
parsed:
8:25
